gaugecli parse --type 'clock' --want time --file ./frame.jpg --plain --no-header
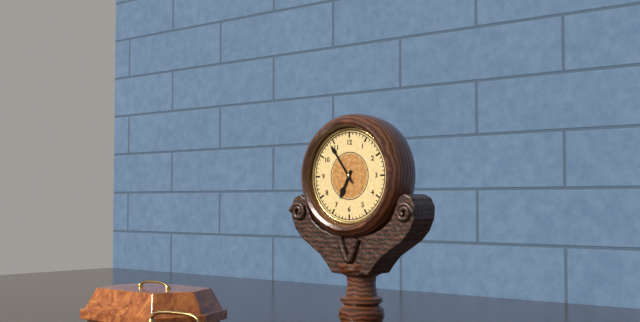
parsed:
6:54
